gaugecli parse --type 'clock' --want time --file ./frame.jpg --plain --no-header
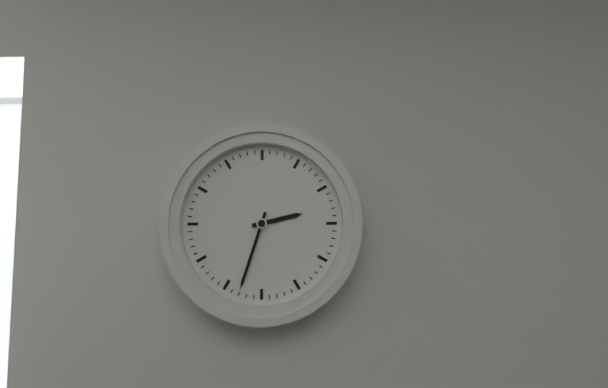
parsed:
2:33
